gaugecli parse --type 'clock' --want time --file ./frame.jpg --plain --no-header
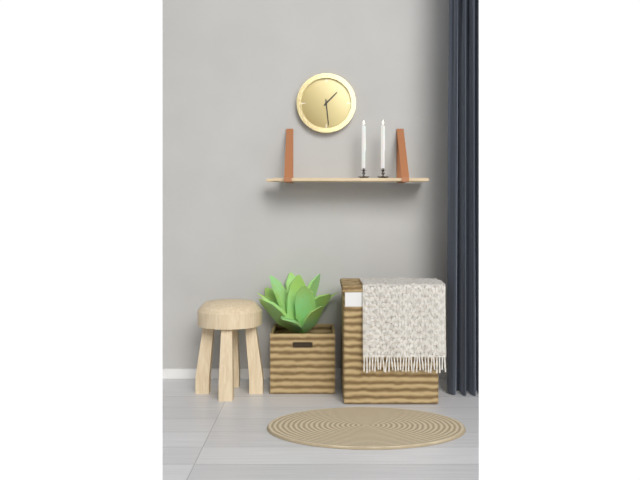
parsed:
1:29
